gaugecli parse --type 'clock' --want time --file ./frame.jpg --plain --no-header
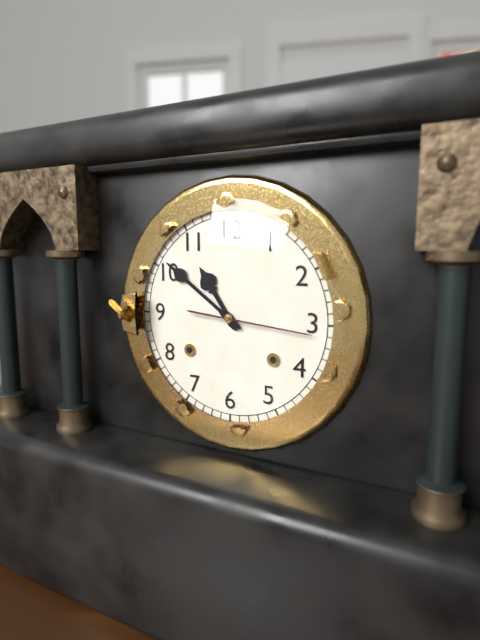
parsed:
10:51:16
